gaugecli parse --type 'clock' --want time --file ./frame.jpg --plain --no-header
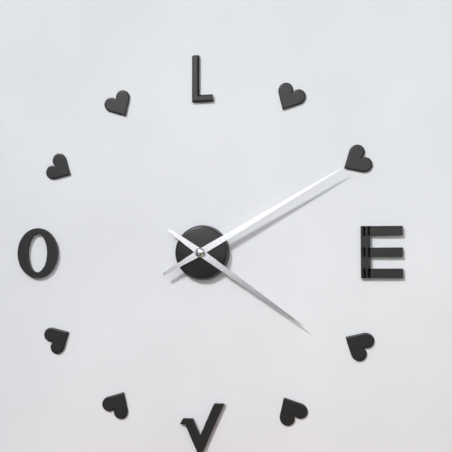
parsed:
4:10
